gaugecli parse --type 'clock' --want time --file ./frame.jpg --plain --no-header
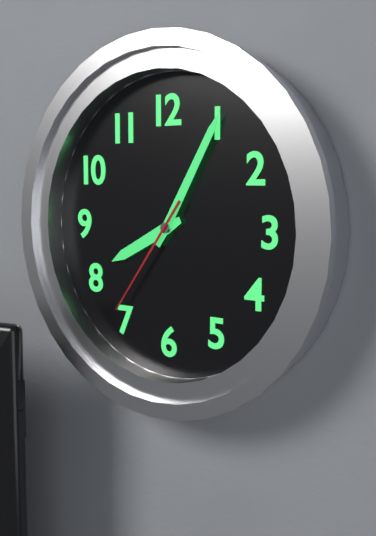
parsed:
8:05:36
